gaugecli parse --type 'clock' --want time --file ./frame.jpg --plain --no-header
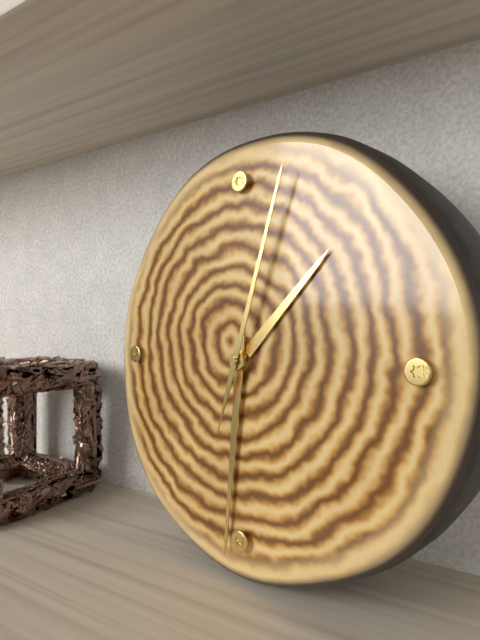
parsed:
1:31:03
